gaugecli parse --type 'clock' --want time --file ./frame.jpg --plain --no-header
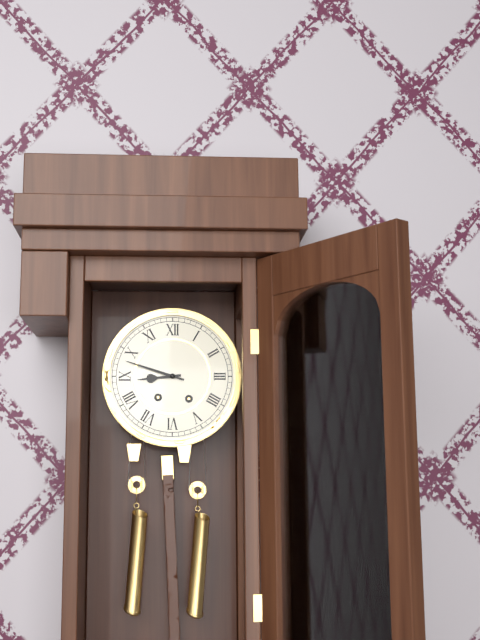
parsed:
8:48
